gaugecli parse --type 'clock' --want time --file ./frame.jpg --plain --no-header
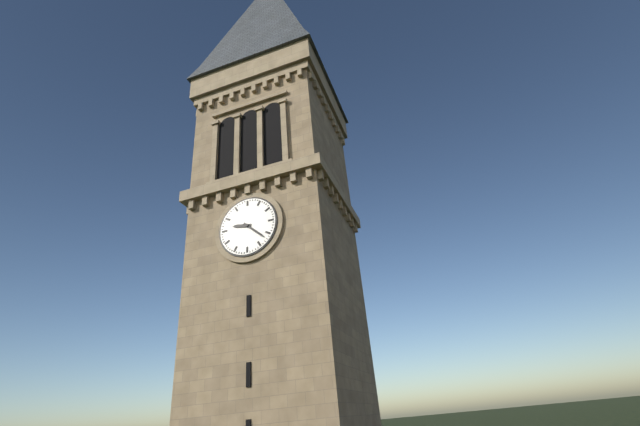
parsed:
9:22
